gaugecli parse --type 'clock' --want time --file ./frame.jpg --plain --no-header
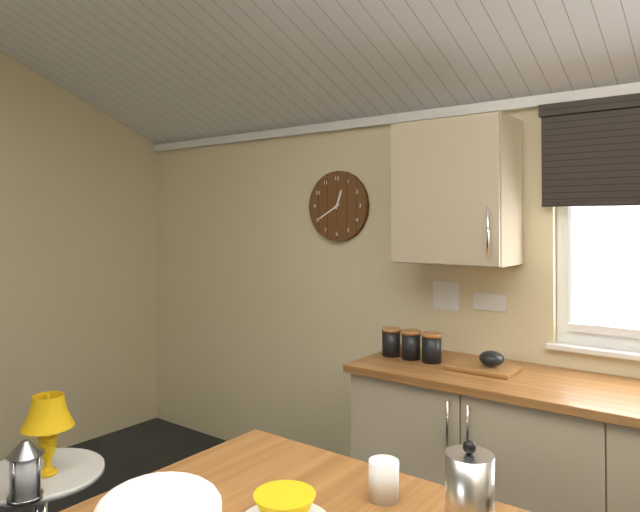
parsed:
12:40
